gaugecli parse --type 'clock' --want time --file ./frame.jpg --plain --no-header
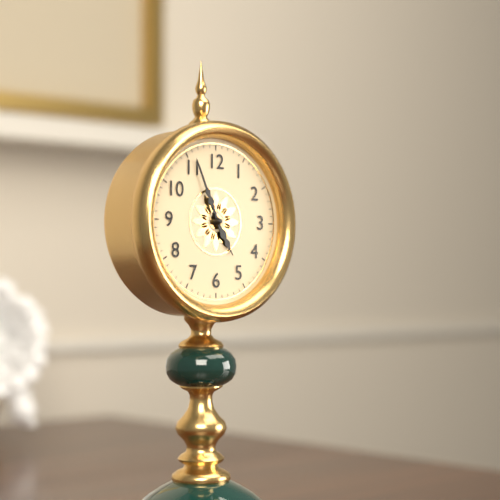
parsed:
4:56
